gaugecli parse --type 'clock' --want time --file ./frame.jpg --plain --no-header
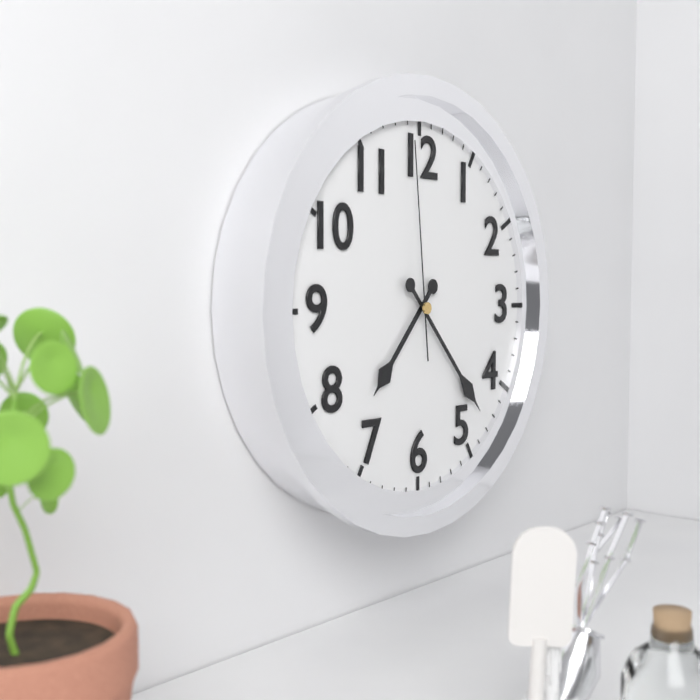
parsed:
7:23:59
